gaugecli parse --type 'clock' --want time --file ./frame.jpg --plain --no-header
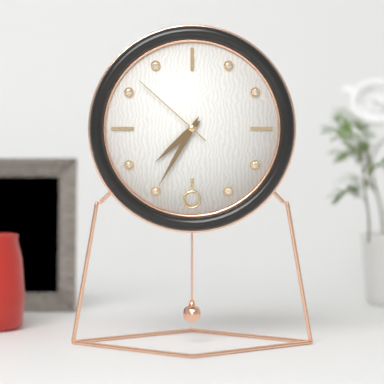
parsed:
7:35:52
